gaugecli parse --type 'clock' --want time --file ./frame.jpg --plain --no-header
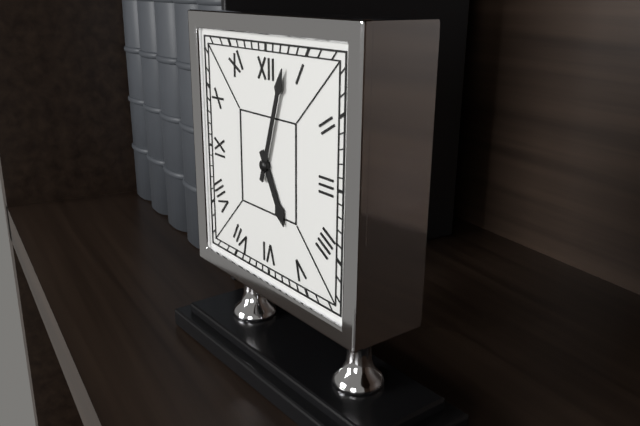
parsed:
5:03
